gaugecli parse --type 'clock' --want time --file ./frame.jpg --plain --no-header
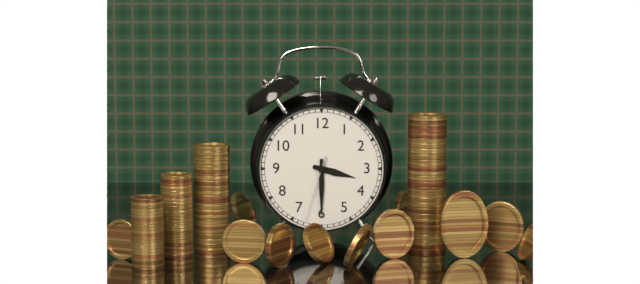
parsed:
3:30:33
